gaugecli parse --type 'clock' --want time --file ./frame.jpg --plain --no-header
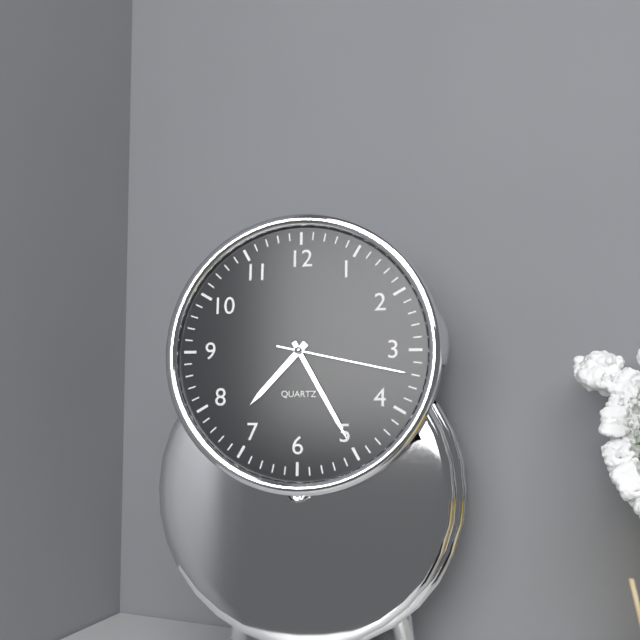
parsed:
7:25:17
